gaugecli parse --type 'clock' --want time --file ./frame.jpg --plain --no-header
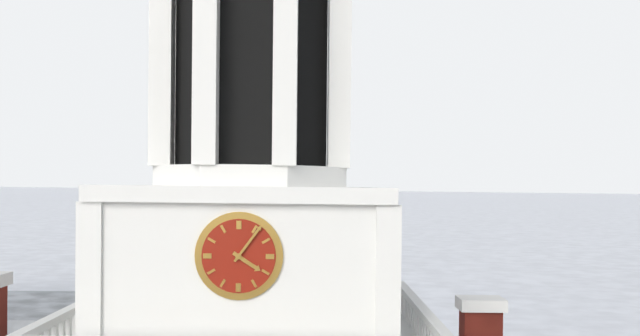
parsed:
4:06
